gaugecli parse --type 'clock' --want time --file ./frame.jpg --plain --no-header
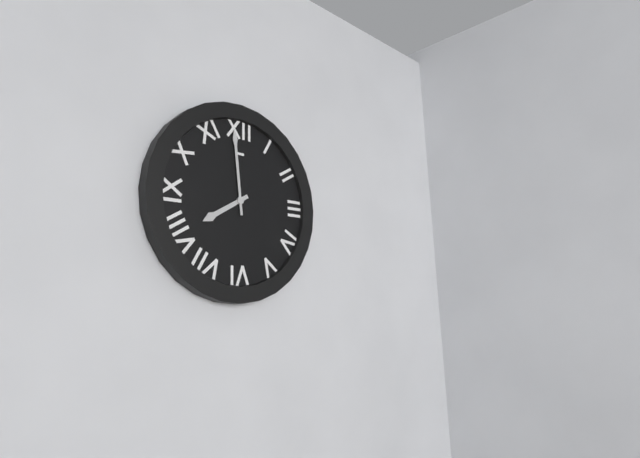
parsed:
7:59
